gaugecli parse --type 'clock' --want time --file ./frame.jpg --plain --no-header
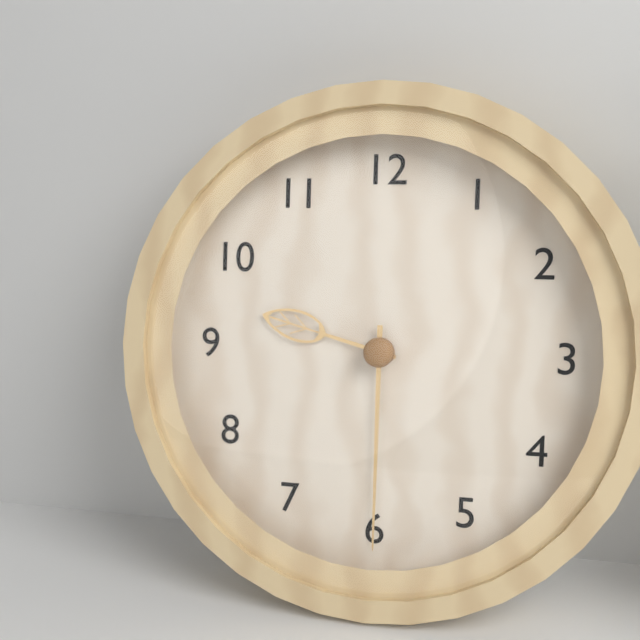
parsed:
9:30
